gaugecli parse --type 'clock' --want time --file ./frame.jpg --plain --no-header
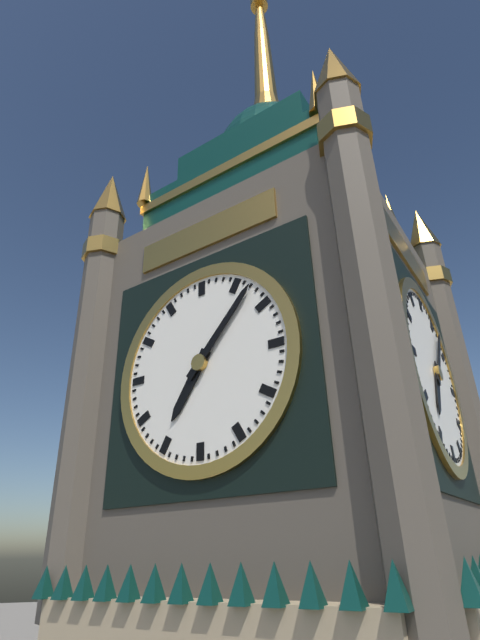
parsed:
7:07
